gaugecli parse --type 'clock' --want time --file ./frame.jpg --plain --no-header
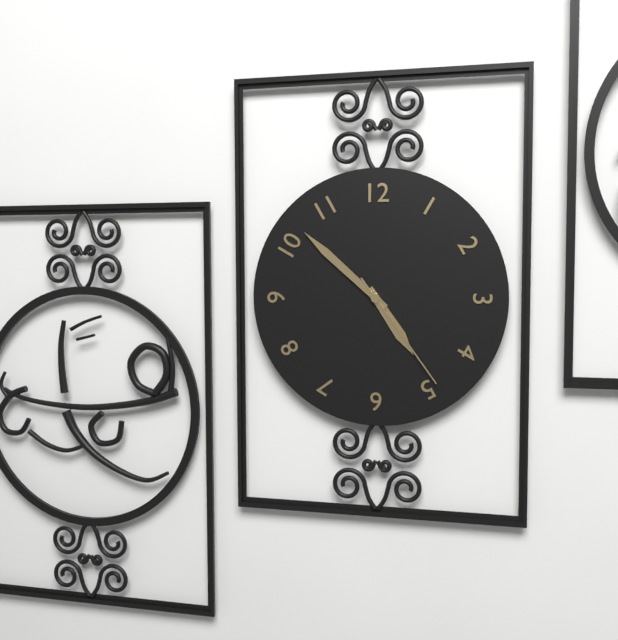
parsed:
4:52:24
